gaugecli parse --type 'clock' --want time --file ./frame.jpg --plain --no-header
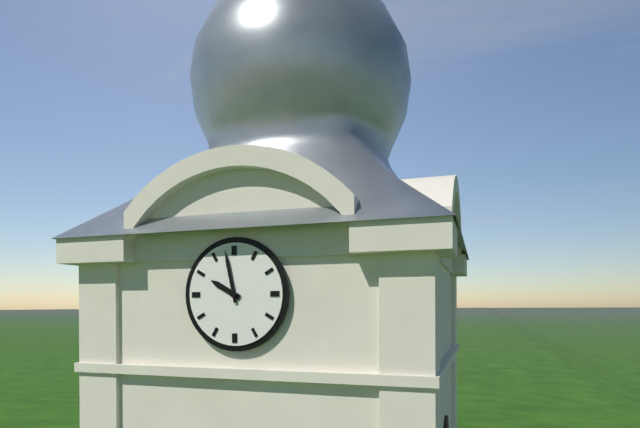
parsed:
9:58
